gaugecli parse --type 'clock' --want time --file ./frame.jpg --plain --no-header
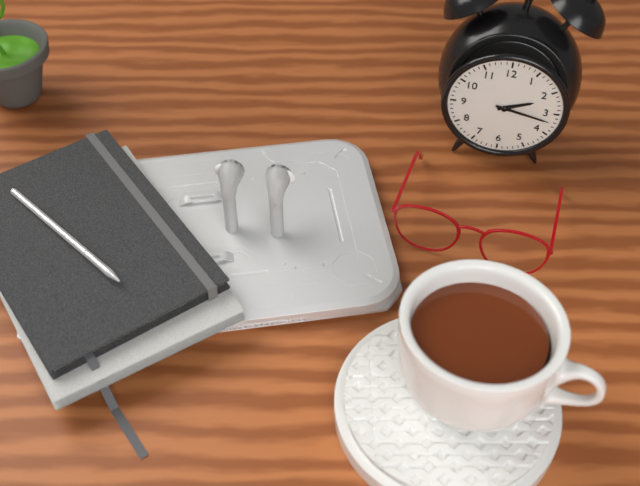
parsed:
2:17
